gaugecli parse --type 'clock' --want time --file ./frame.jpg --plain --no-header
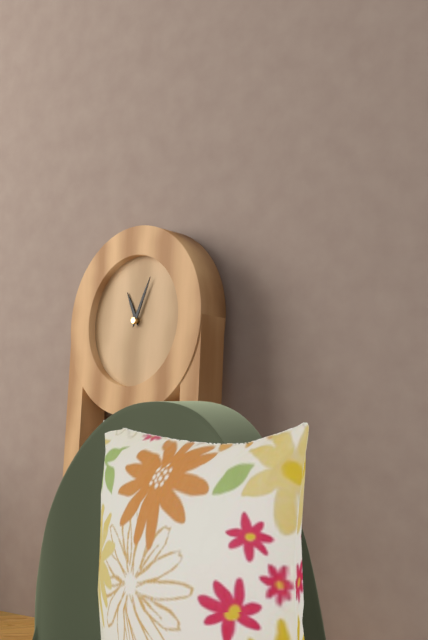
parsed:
11:04
